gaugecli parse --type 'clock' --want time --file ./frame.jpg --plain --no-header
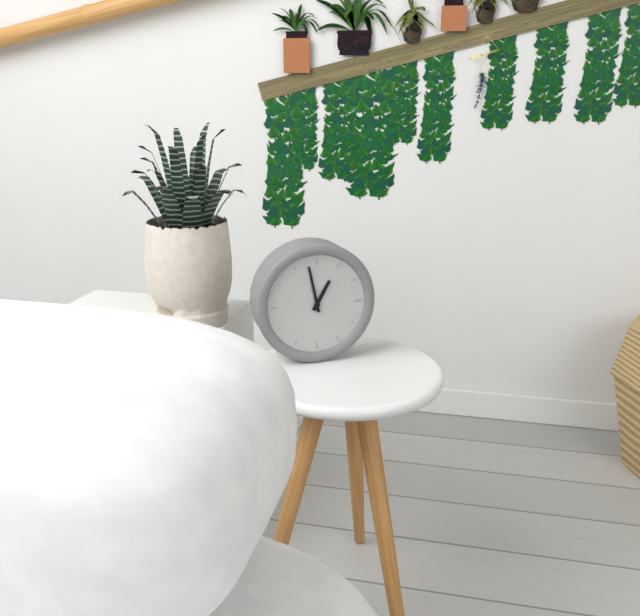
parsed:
12:58
